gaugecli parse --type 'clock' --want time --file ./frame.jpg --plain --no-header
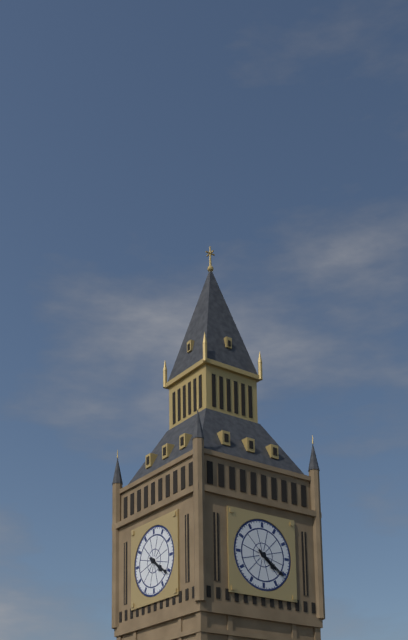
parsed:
4:21
